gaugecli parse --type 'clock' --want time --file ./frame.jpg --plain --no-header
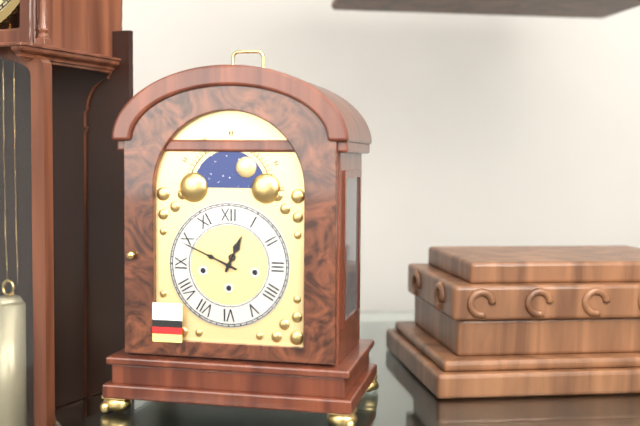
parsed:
12:49
